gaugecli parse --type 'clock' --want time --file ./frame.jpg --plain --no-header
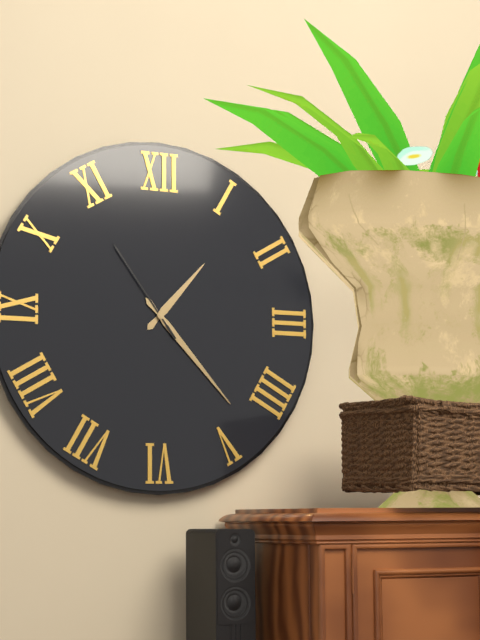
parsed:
1:23:54
